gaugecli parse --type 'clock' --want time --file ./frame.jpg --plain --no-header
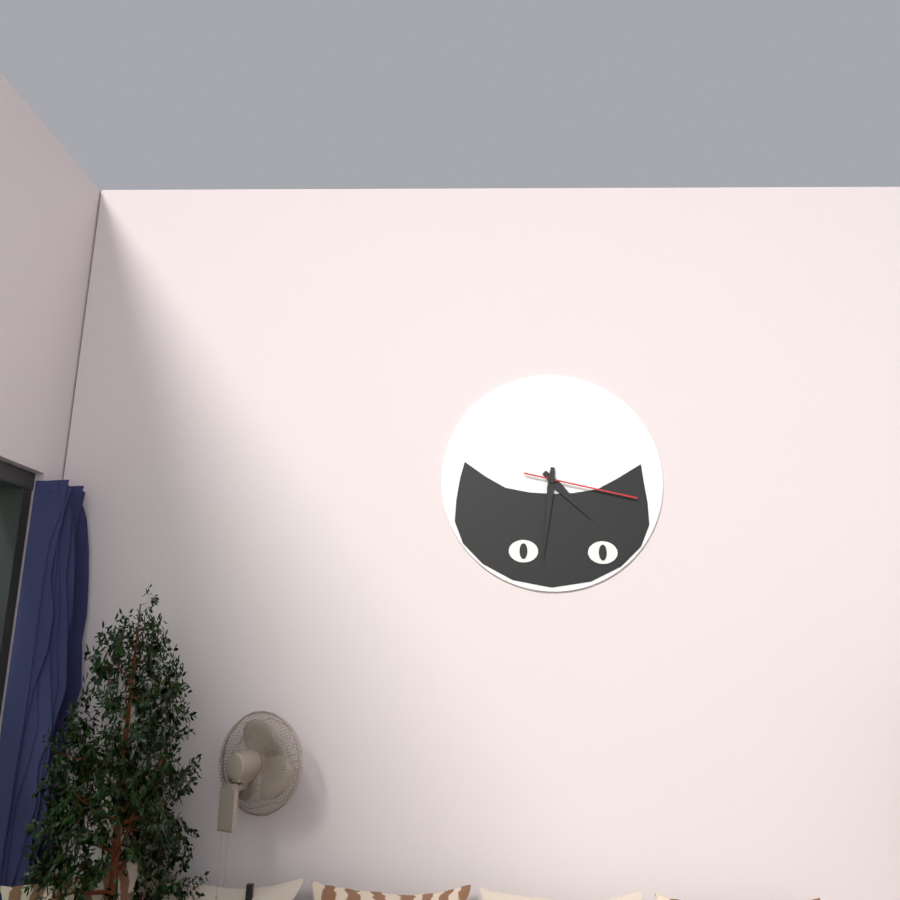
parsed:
4:31:17
